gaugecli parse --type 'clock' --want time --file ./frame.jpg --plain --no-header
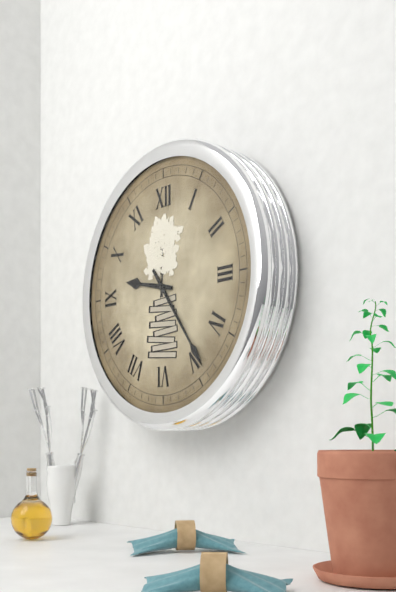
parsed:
9:24
